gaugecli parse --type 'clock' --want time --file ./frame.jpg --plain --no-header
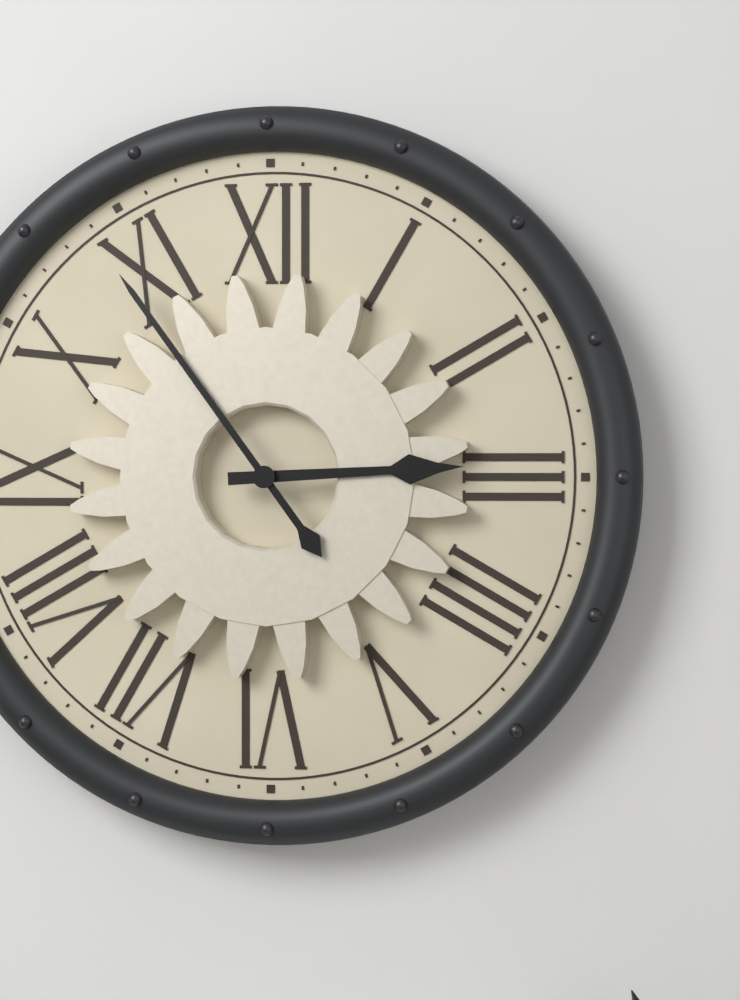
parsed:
2:54
